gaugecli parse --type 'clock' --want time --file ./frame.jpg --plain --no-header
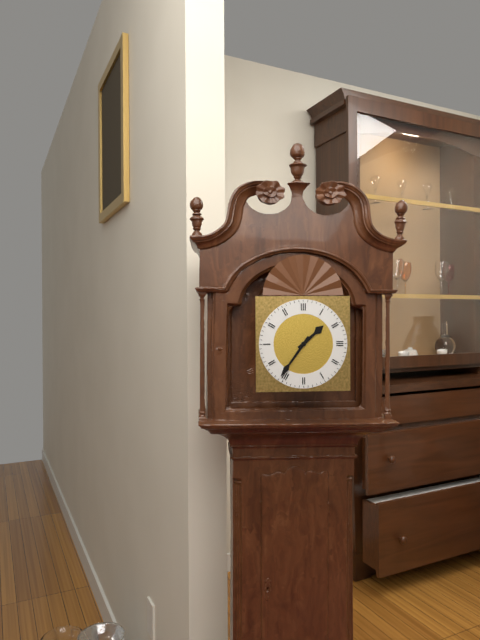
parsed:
1:36
